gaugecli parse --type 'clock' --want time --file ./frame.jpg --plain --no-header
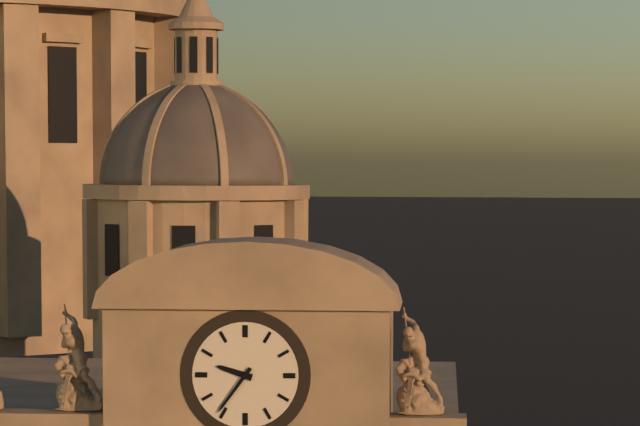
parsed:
9:36
